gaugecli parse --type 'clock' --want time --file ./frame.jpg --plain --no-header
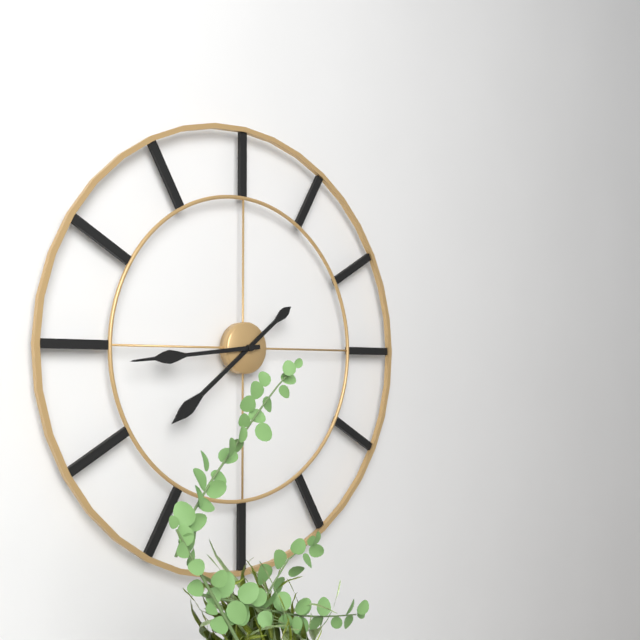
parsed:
7:44
